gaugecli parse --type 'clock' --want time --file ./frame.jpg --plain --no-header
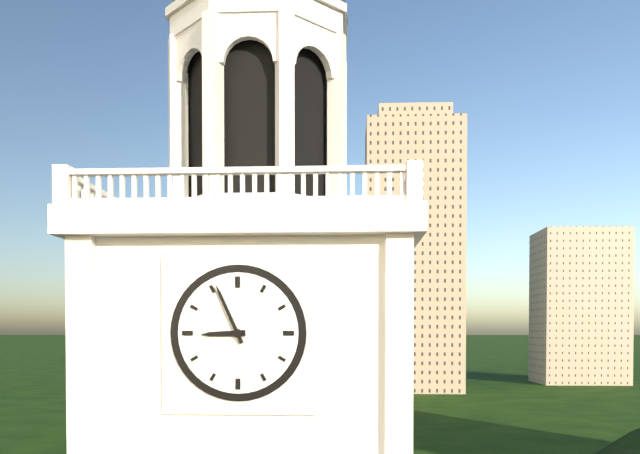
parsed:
8:56
